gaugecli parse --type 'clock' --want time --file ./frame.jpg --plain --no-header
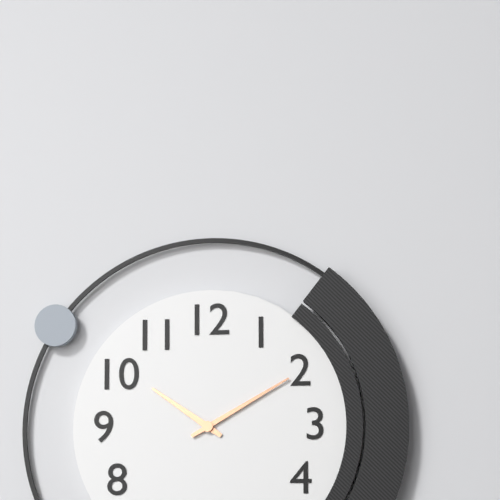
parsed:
10:10
